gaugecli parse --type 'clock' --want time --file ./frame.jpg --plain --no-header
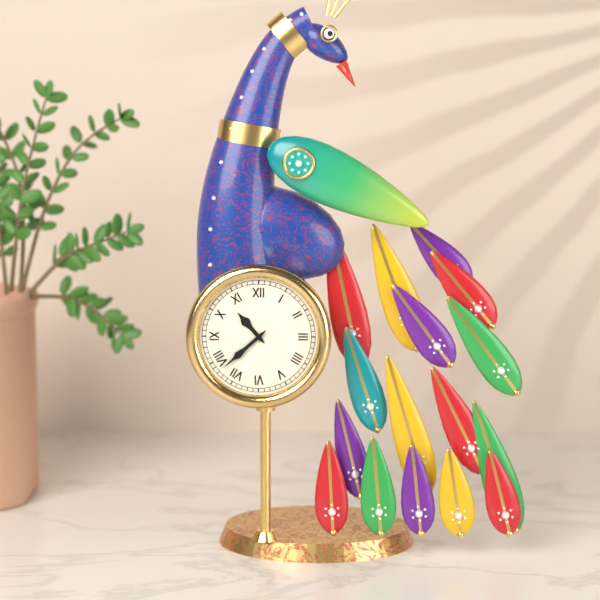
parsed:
10:38
